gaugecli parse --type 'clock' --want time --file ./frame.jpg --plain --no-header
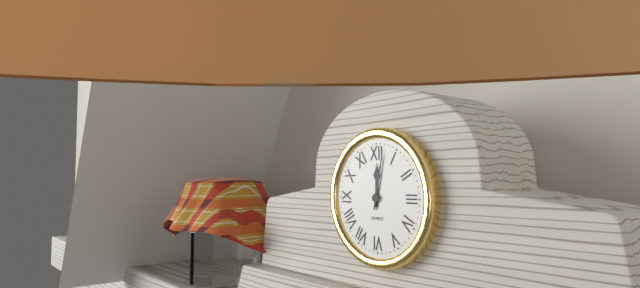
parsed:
12:02
